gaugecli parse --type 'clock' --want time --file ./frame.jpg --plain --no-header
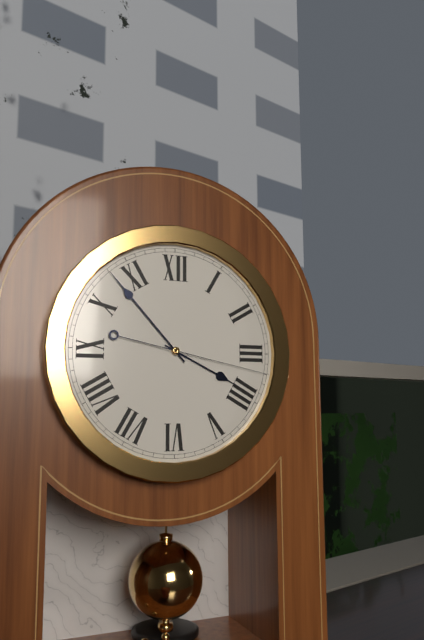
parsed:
3:53:17
